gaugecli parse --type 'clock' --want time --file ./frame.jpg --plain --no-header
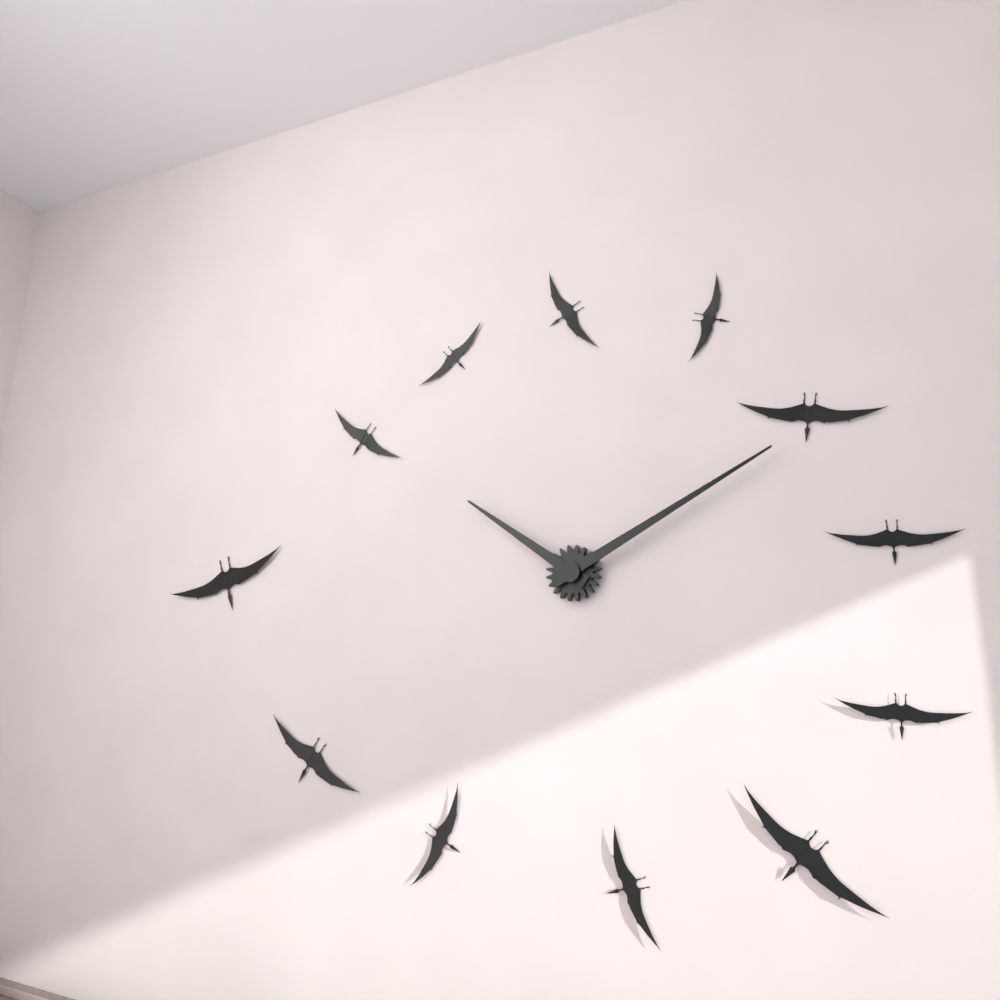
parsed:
10:10
